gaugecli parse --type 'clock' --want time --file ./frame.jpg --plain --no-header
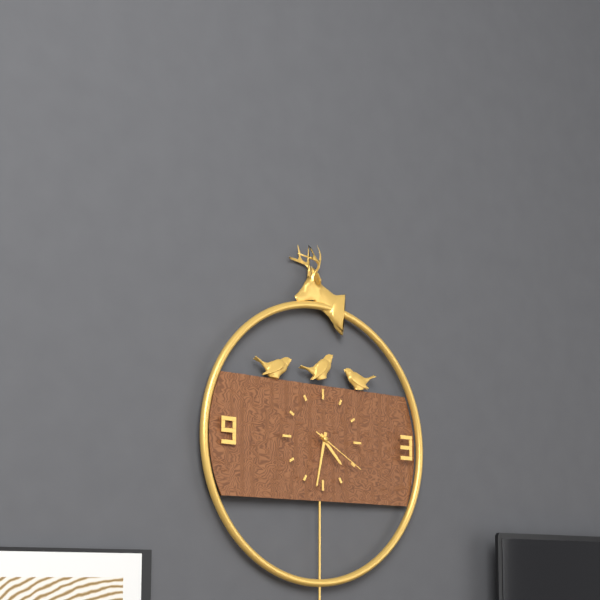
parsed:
4:32:20
